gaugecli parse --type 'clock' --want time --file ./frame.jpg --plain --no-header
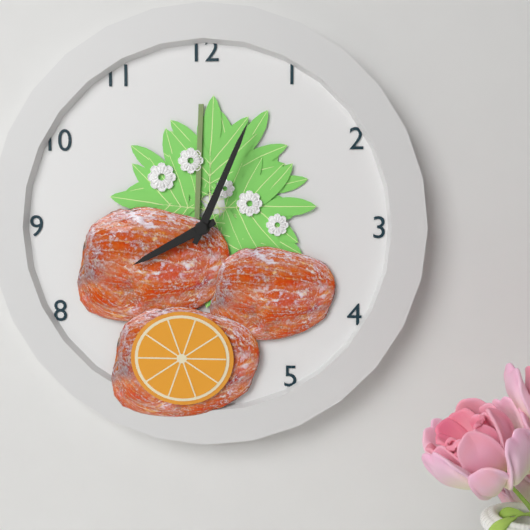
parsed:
8:04
